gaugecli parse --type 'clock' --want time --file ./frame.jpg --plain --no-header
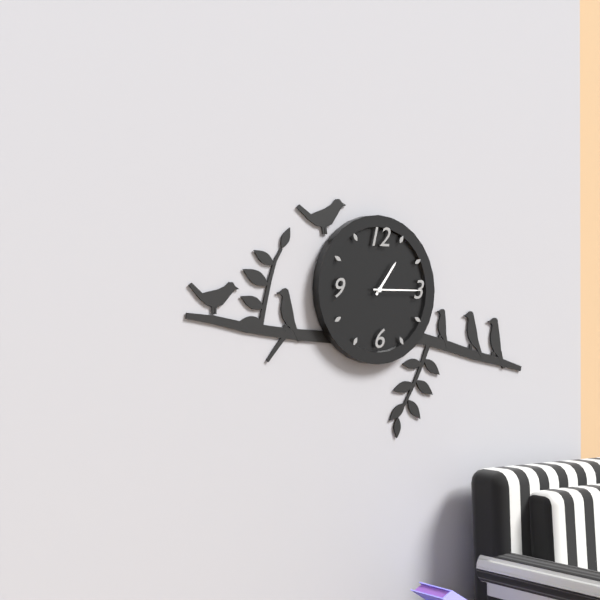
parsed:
1:15
